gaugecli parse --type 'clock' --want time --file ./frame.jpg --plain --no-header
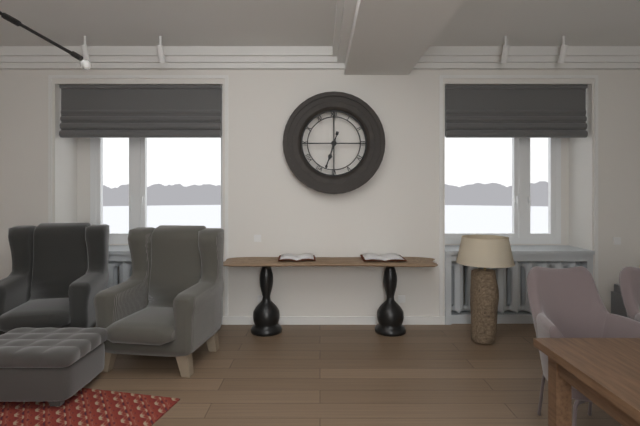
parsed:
6:33
